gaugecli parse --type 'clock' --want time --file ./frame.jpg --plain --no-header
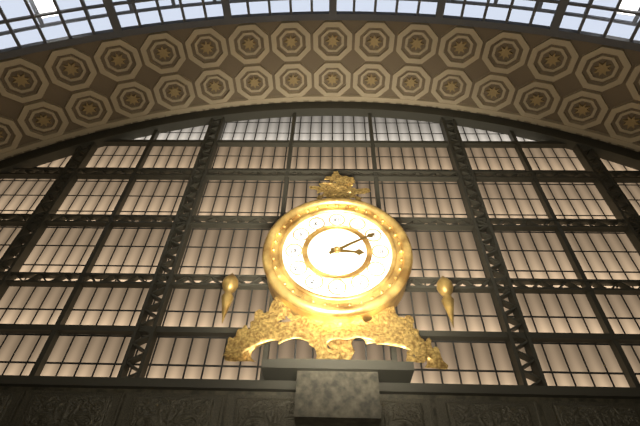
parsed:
3:10
